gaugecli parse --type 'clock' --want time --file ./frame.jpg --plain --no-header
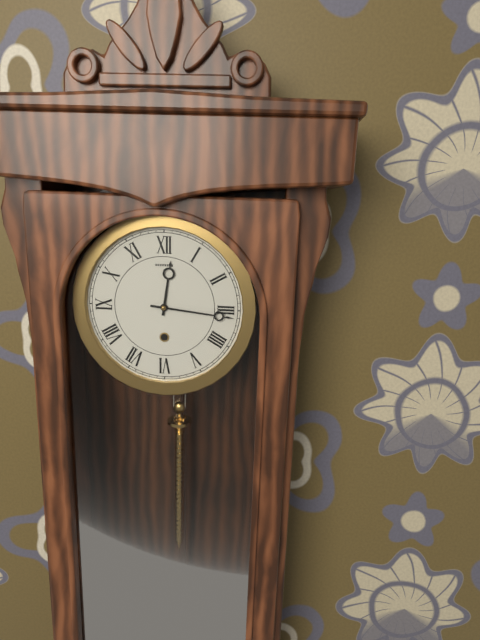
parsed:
12:16
